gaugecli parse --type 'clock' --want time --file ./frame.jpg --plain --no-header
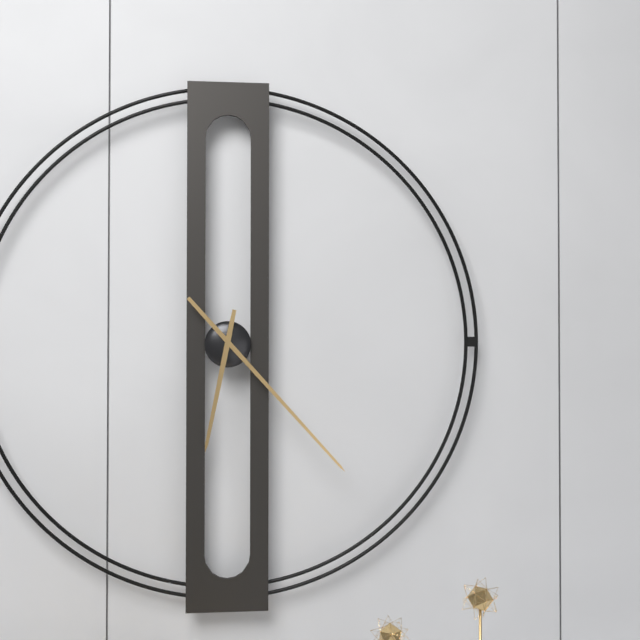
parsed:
6:23
